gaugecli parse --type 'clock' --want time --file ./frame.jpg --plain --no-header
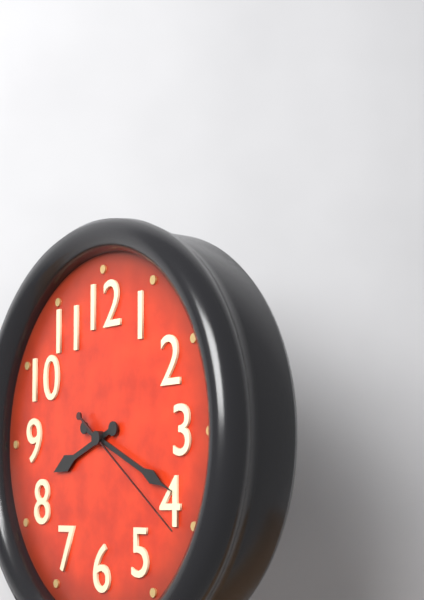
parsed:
8:19:21
